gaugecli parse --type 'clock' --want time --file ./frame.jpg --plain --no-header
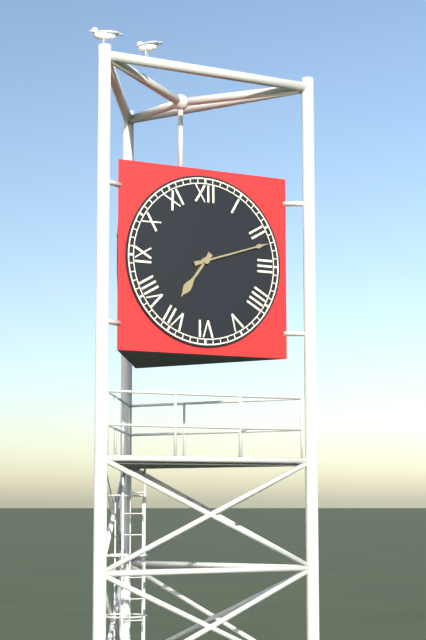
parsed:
7:12
